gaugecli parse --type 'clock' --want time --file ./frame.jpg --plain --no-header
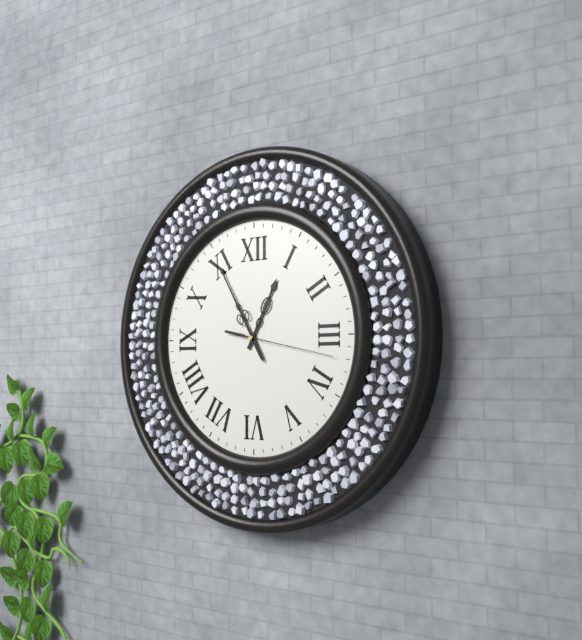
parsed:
12:55:17
